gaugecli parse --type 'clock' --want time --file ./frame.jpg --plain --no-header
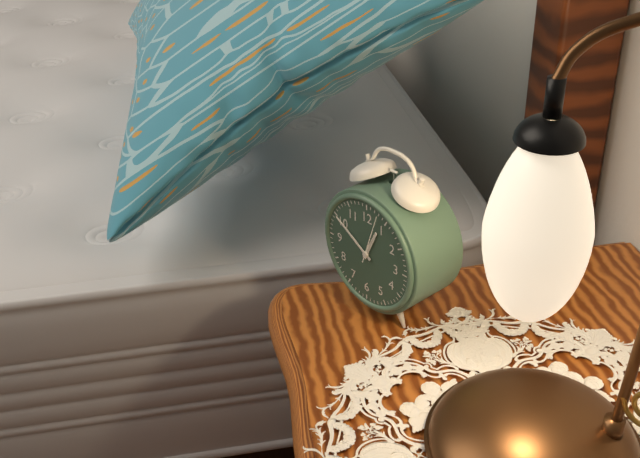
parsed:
12:50
